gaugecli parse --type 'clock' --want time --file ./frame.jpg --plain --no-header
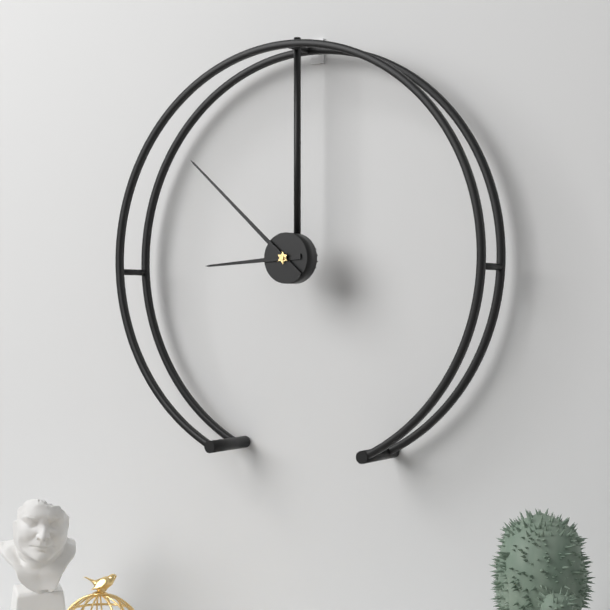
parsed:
8:52
